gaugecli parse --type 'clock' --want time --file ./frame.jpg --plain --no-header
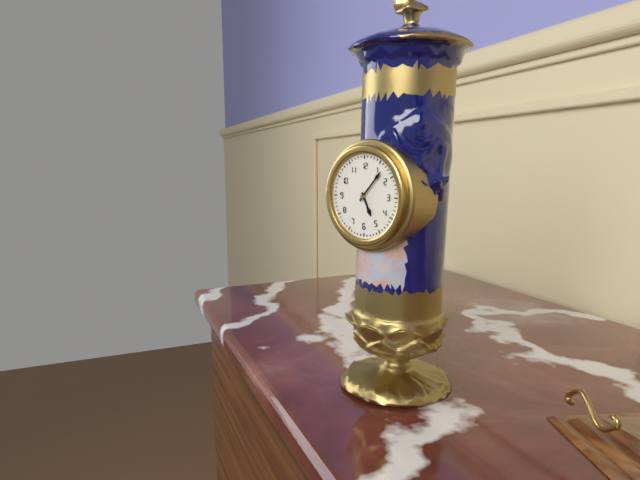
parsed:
5:07
